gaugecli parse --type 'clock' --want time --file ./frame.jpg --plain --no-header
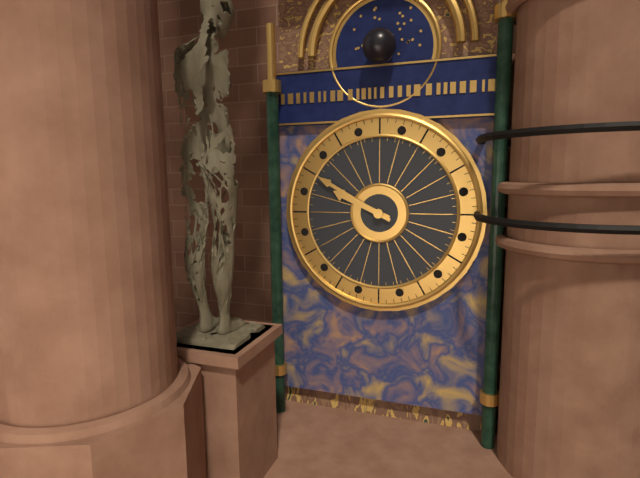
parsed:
9:50
